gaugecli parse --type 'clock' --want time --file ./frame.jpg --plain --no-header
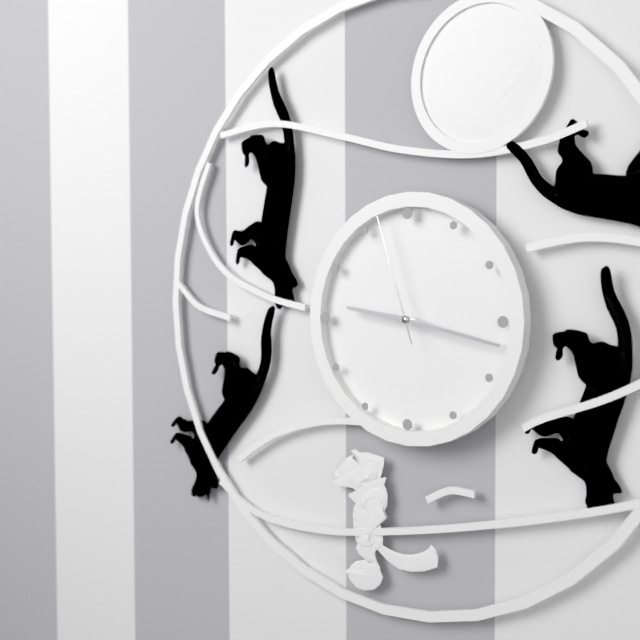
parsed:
9:17:57
